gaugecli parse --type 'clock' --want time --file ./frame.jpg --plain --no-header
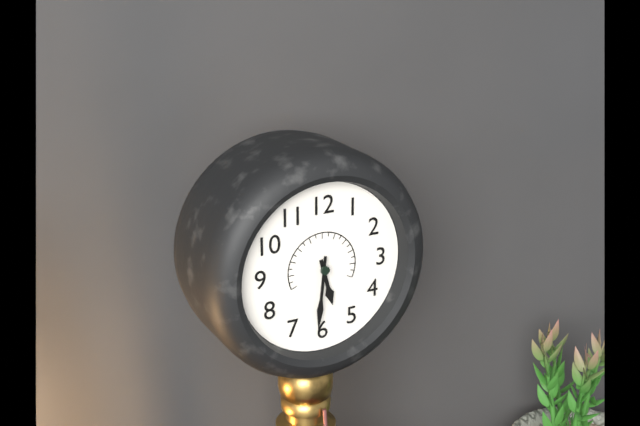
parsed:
5:31
